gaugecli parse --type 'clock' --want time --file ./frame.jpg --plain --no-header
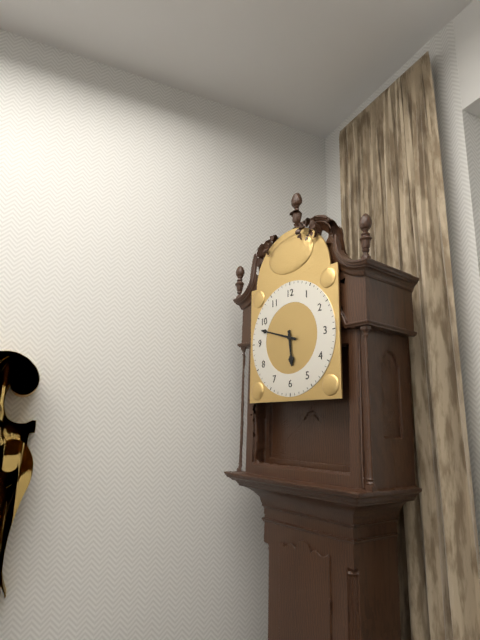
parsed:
5:48
